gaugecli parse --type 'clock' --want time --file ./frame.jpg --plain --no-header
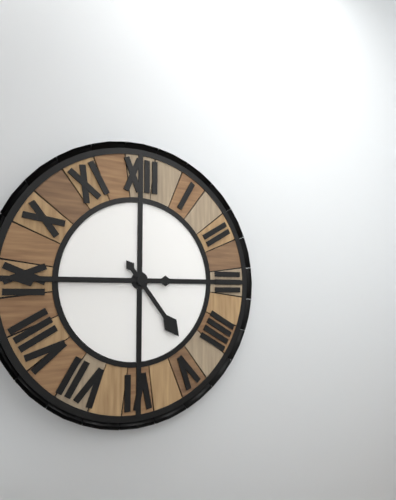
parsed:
4:45
